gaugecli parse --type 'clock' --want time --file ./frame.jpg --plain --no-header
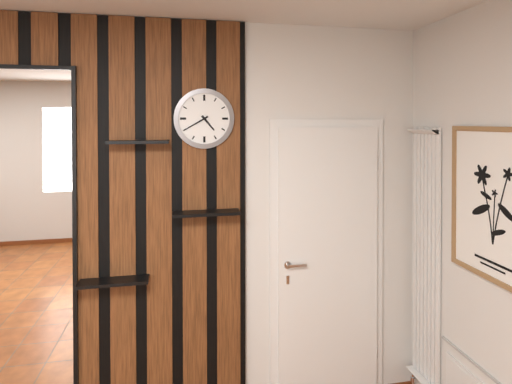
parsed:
4:40
